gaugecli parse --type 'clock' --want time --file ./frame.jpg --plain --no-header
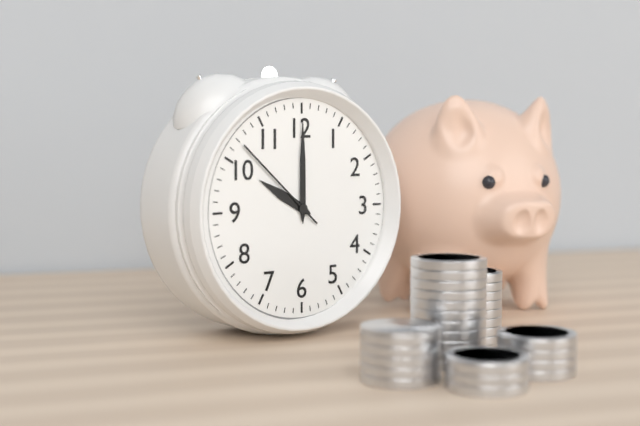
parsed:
10:00:52
